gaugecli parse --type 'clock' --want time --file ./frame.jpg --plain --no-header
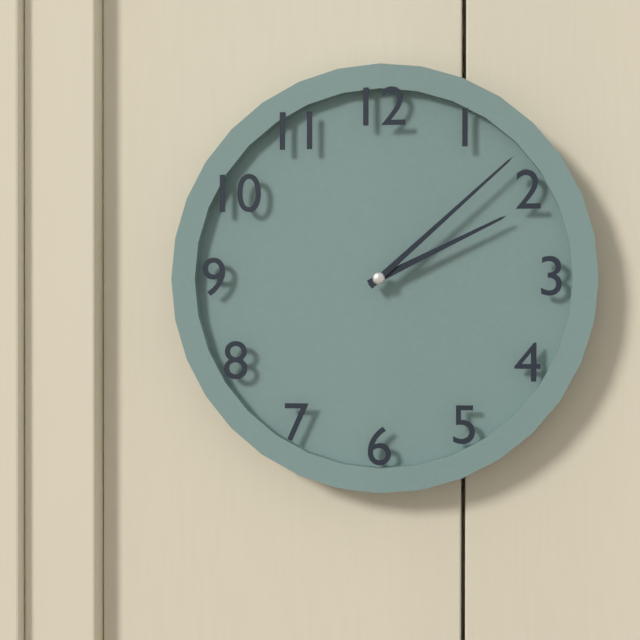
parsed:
2:08
